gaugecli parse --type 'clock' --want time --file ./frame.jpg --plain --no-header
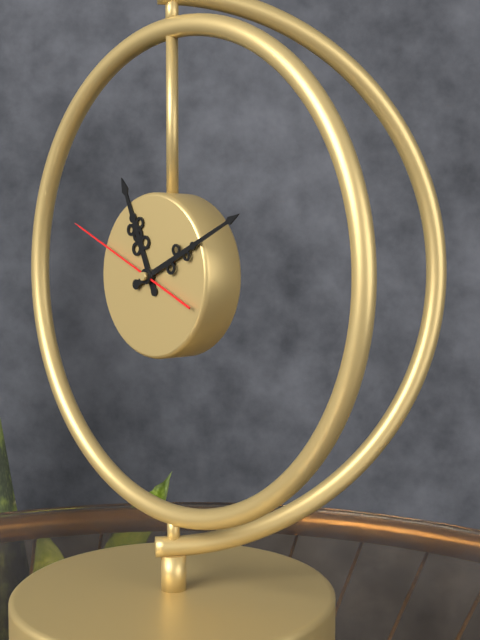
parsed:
11:11:49
